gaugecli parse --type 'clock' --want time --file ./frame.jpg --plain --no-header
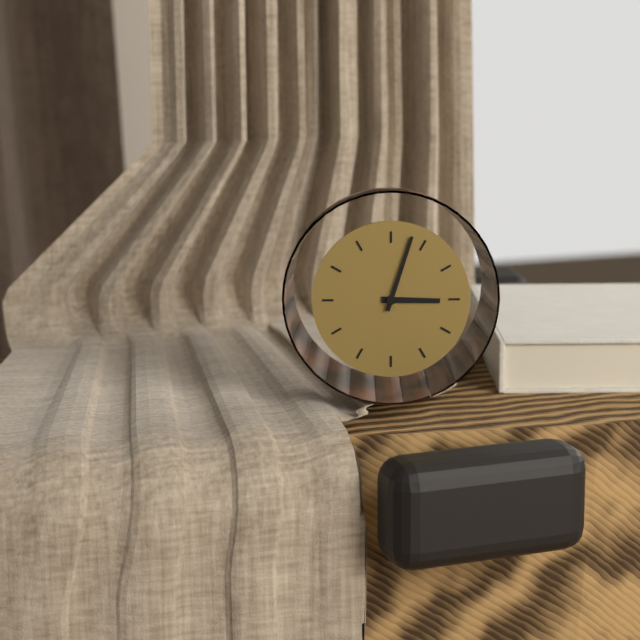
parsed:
3:03
